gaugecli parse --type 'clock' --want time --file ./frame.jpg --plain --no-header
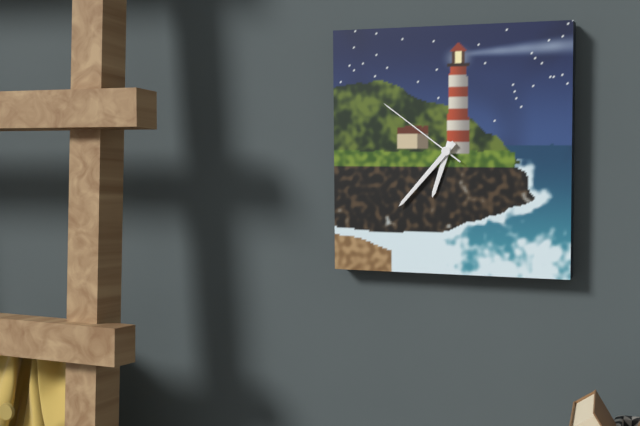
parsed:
6:37:51
